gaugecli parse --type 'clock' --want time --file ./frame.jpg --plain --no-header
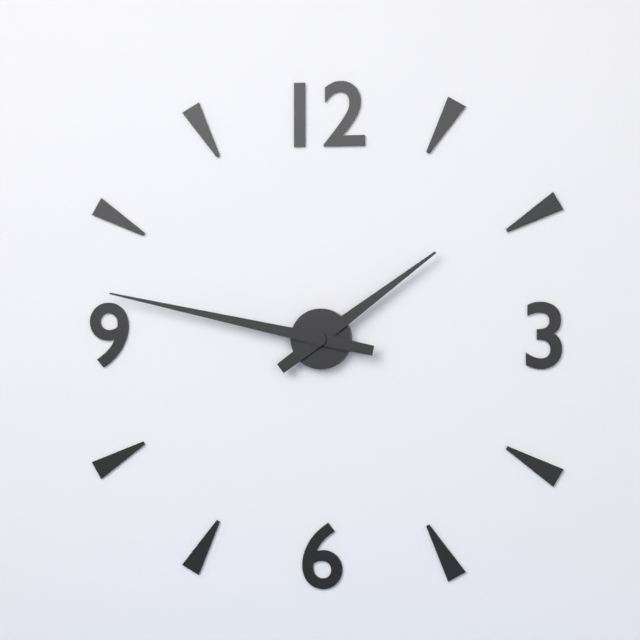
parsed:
1:47
